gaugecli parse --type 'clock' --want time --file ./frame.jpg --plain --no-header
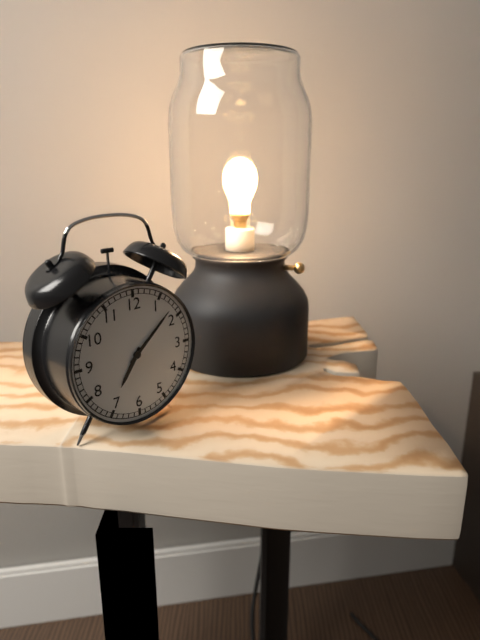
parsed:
7:08
